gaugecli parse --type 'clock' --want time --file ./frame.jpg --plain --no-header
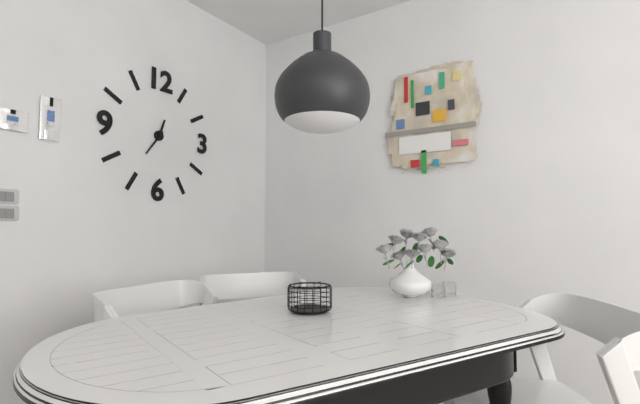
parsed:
12:36
